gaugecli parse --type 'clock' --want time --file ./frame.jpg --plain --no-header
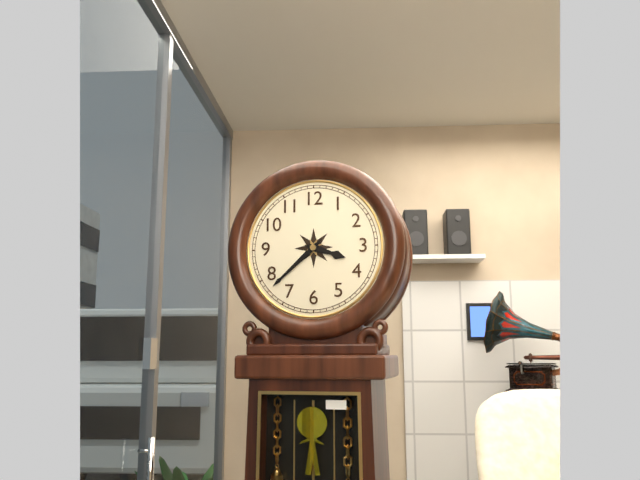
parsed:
3:38
